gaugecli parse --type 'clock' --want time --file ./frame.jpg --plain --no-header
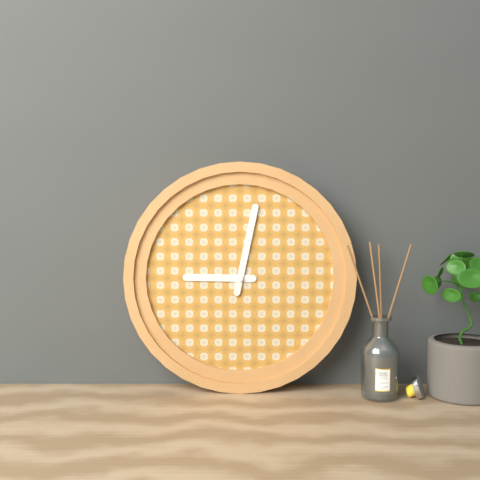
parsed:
9:02
